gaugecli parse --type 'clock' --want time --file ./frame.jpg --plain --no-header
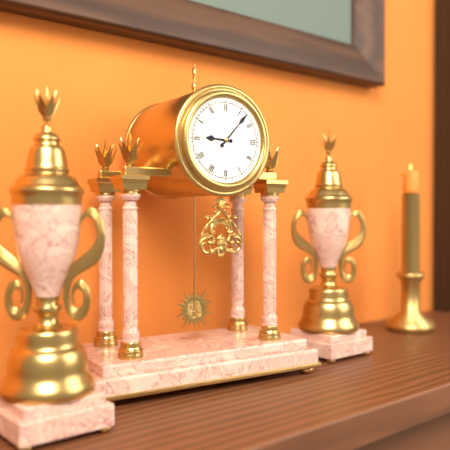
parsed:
9:07
